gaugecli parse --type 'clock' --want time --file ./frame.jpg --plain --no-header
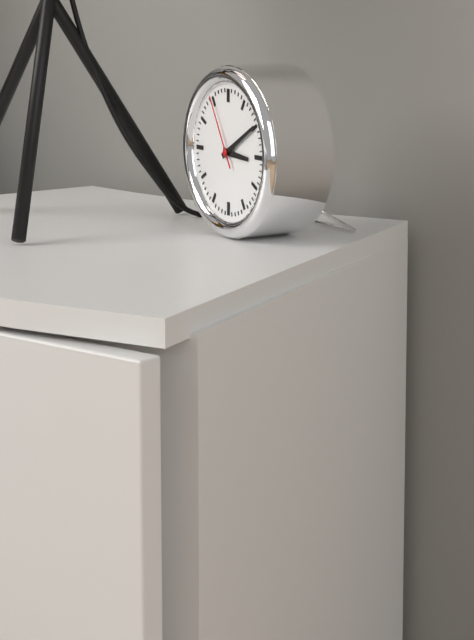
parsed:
3:10:55
